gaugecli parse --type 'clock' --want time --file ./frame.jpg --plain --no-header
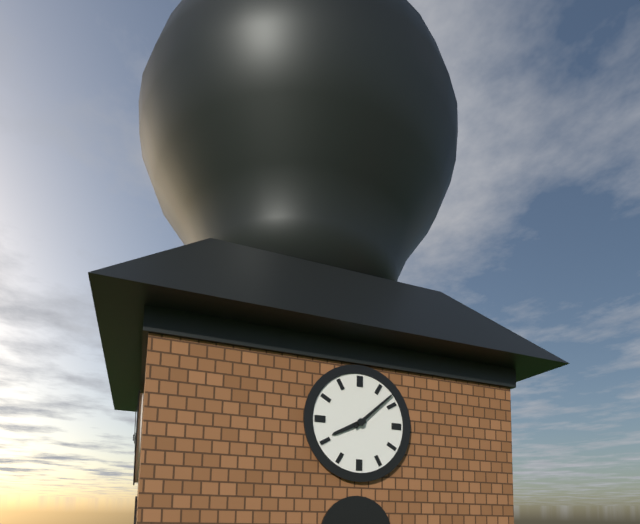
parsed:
8:08
